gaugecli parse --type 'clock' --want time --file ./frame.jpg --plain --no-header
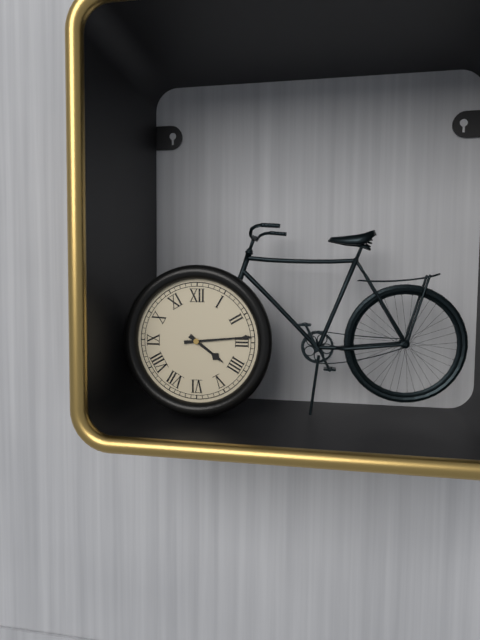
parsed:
4:14
